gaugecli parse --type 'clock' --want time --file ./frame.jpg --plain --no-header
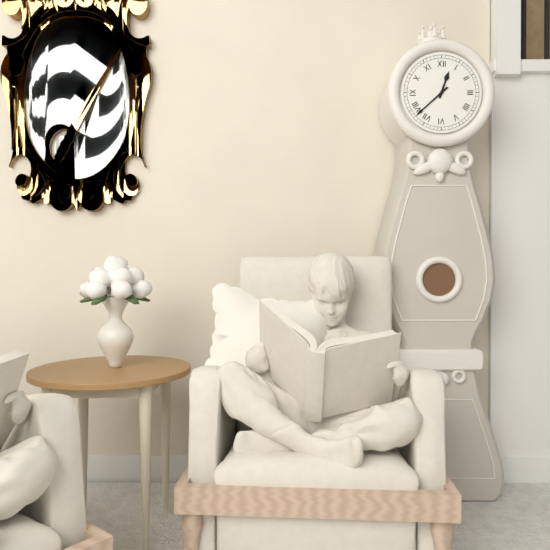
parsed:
12:38
